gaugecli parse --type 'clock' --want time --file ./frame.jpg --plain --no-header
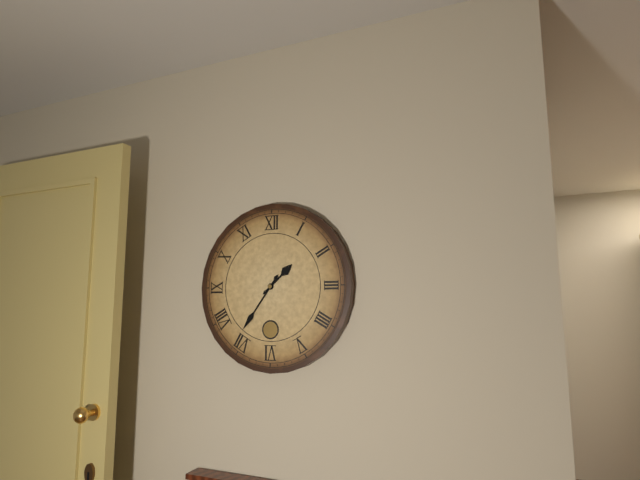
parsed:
1:36
